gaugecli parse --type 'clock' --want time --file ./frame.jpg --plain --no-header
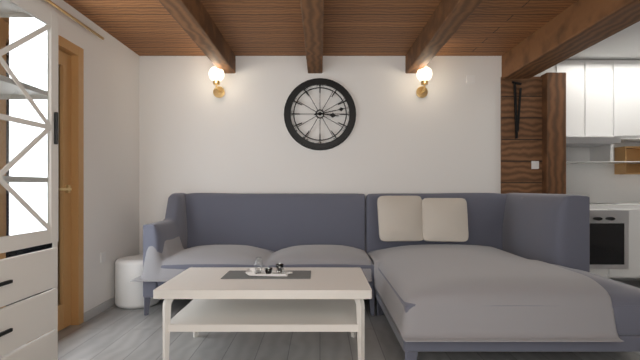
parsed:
3:13
